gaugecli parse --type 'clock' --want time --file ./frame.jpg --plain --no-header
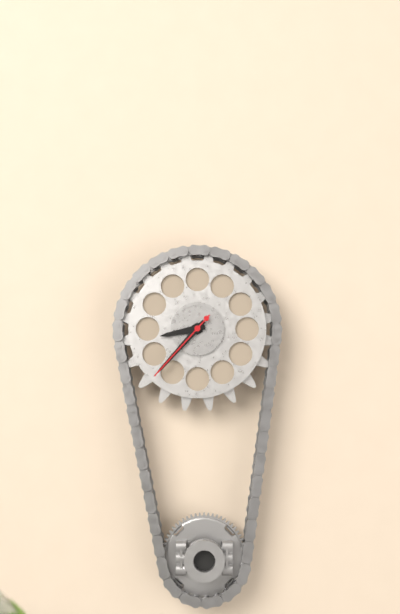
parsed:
8:37:37
